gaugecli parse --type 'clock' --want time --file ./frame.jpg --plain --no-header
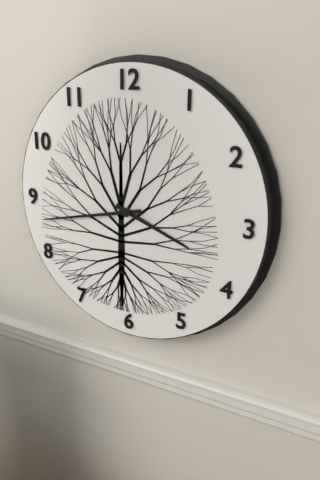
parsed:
3:43
